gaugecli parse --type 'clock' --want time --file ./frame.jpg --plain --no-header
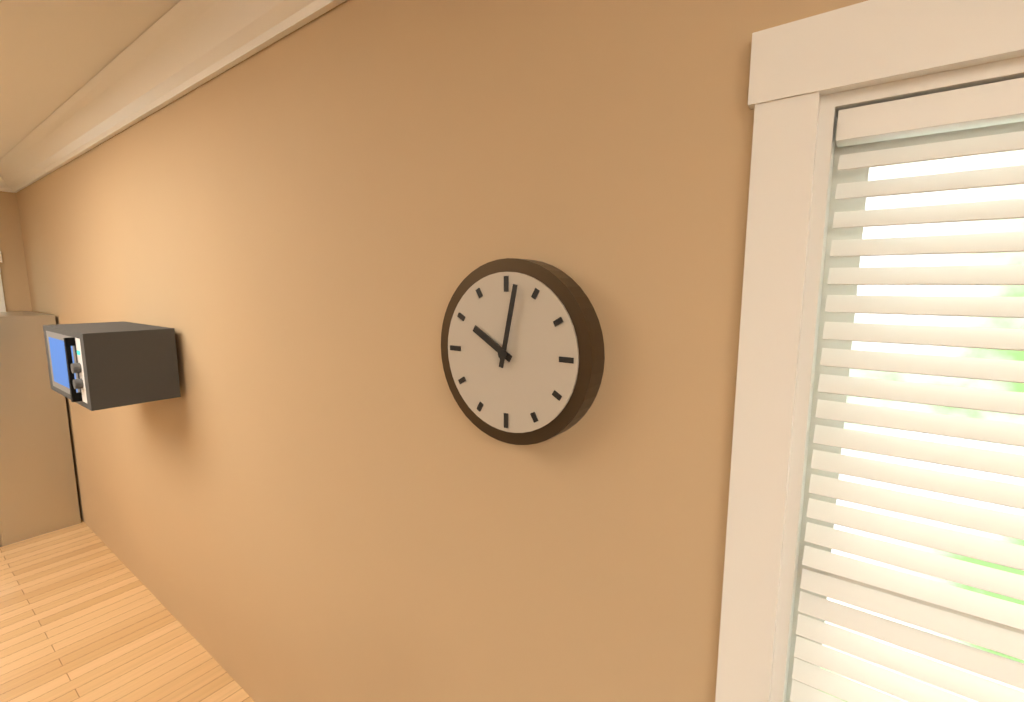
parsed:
10:02
